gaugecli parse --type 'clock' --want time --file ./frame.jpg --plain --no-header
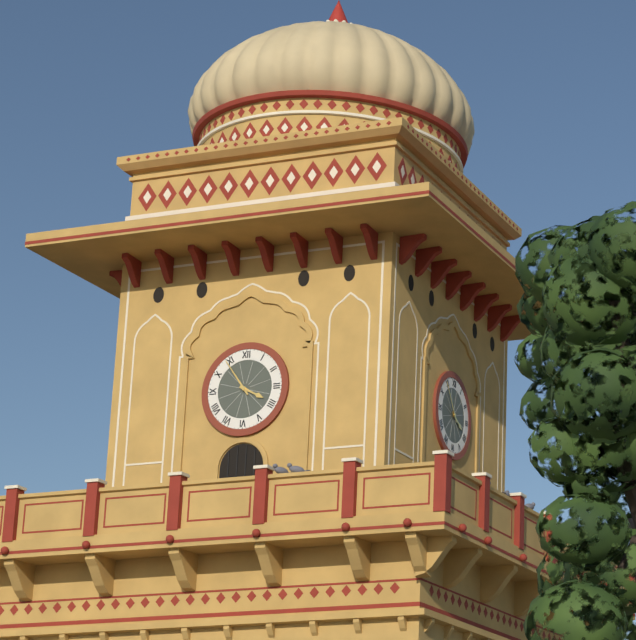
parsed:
3:54
